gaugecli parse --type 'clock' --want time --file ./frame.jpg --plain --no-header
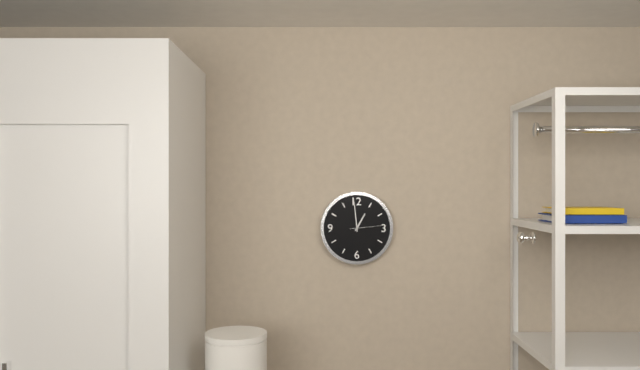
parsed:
12:59
